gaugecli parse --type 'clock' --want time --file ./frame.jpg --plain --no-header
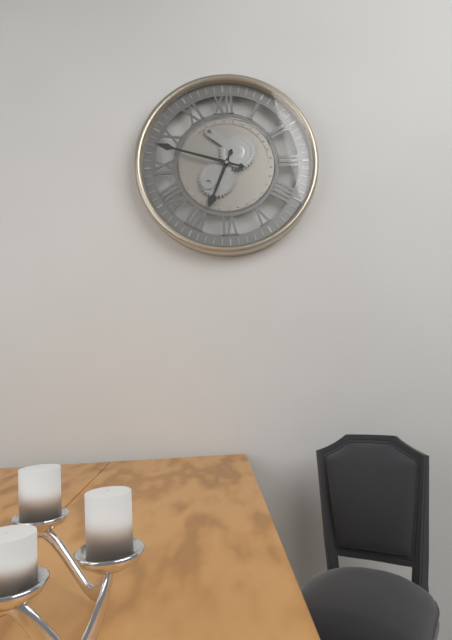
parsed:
6:48
